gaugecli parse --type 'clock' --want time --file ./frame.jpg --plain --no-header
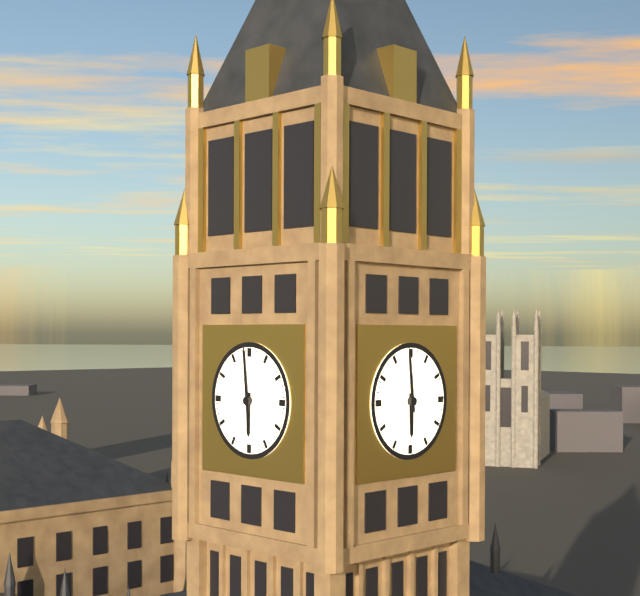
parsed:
5:59
